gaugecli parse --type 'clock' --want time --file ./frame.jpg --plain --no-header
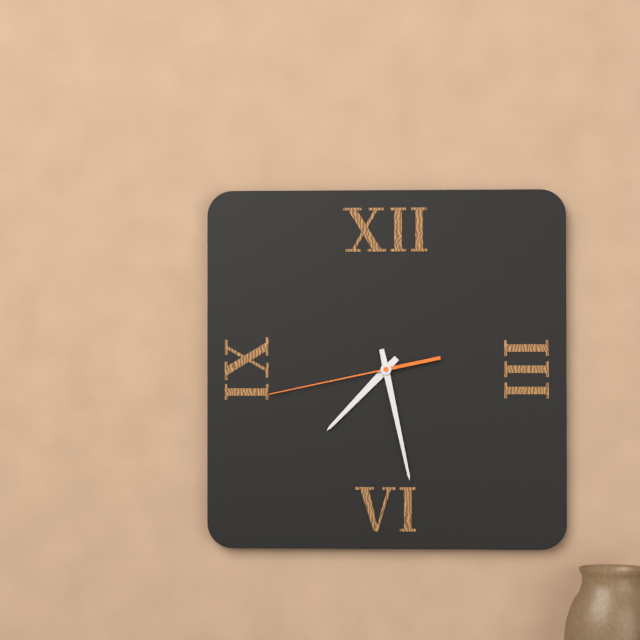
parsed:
7:28:43
